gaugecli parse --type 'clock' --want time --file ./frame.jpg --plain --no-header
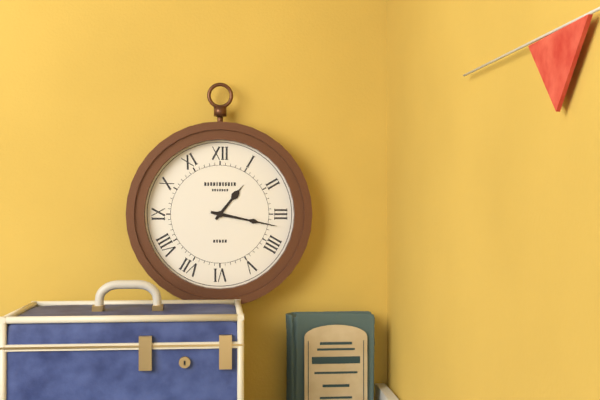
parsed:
1:17
